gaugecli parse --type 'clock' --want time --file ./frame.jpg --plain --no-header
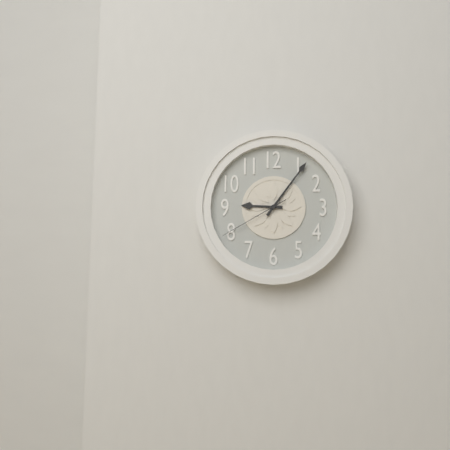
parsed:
9:06:40
